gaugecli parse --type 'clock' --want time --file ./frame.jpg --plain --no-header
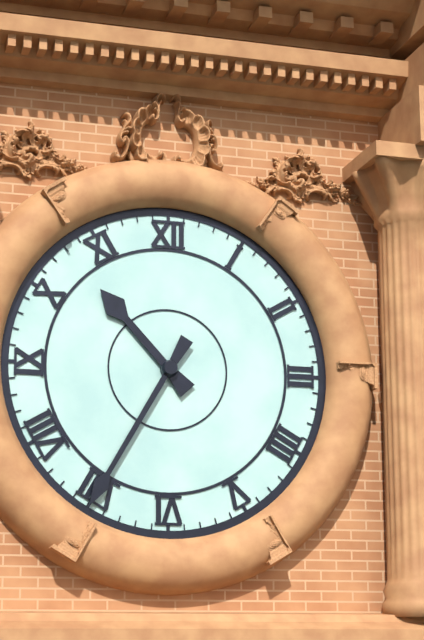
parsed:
10:35
